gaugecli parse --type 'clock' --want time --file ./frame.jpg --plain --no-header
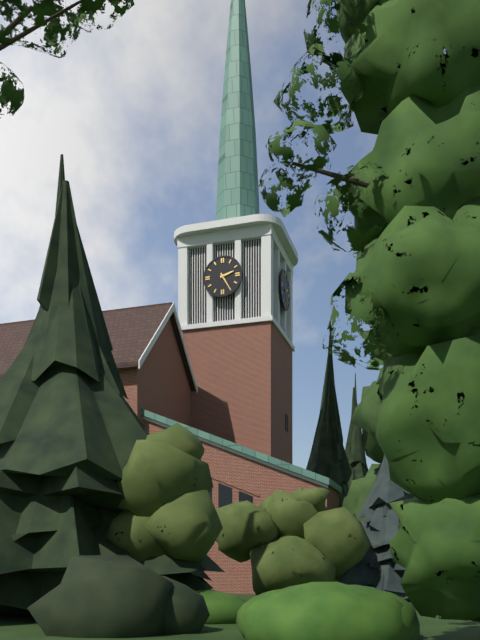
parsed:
2:25
